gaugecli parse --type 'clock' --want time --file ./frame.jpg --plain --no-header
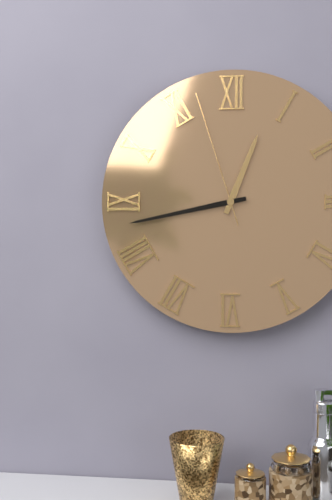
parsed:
12:43:57
